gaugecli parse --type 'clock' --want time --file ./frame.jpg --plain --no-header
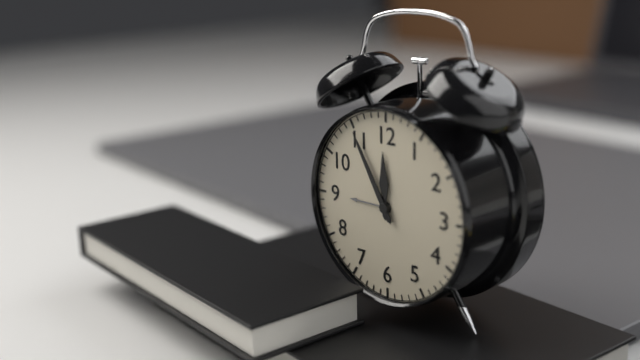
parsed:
11:55
